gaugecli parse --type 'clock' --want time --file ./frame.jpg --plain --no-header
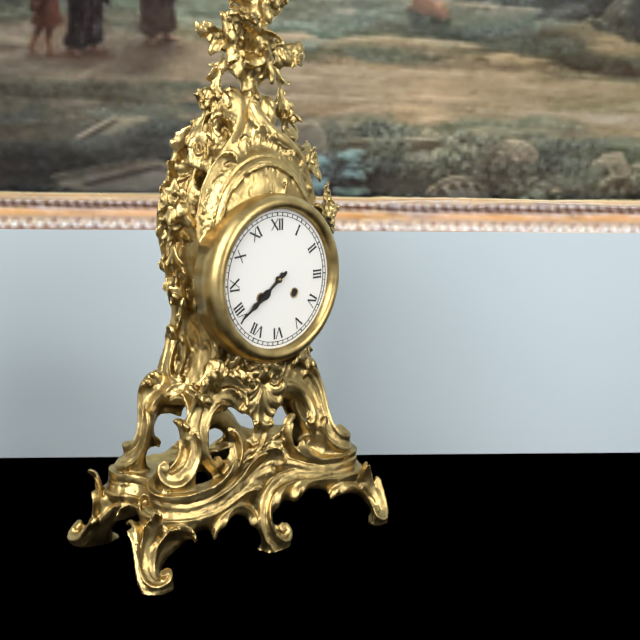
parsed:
7:39
